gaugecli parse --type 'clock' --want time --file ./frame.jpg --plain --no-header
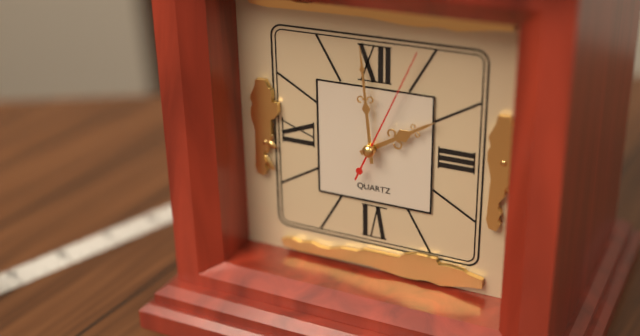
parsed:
1:59:04
